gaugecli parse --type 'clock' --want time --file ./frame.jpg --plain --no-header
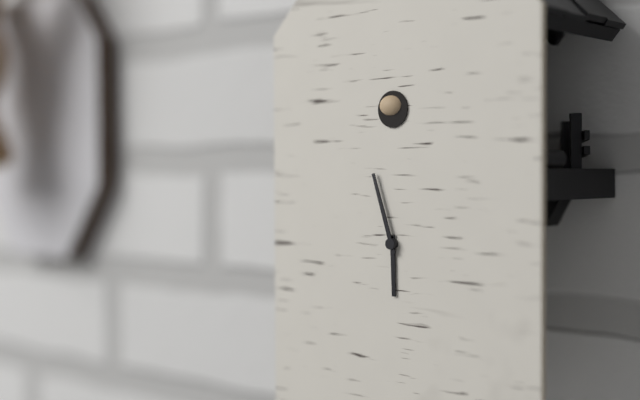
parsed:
5:57
